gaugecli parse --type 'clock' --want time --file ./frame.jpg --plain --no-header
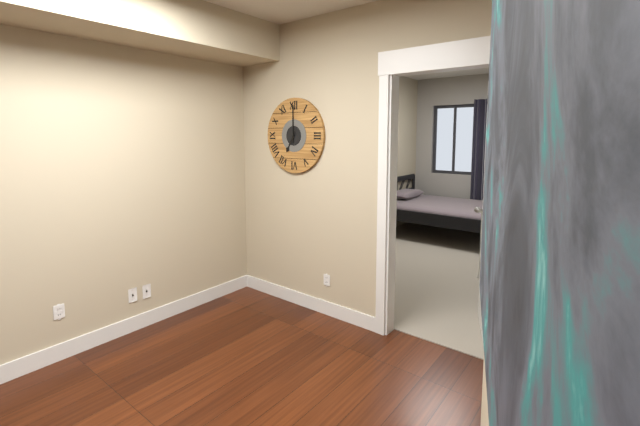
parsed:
7:00
